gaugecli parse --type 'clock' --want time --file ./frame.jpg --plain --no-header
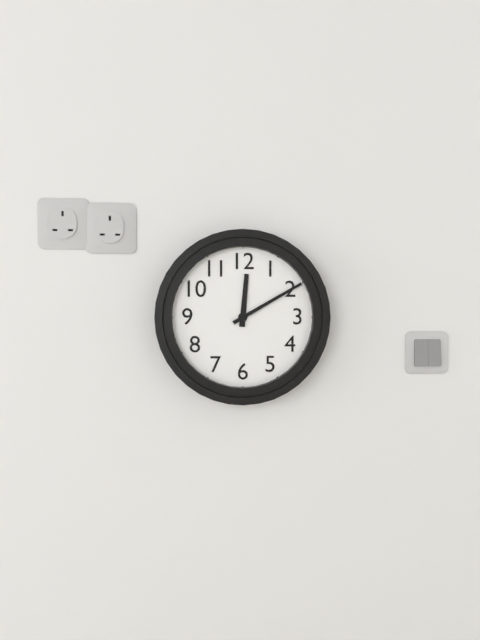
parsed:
12:10
